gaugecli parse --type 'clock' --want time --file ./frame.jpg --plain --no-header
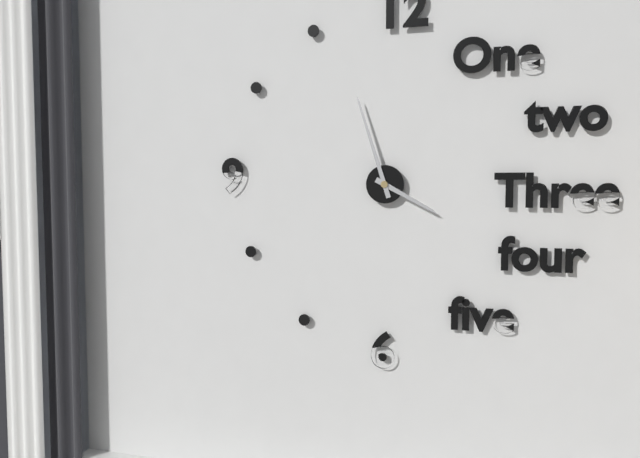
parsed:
3:57
